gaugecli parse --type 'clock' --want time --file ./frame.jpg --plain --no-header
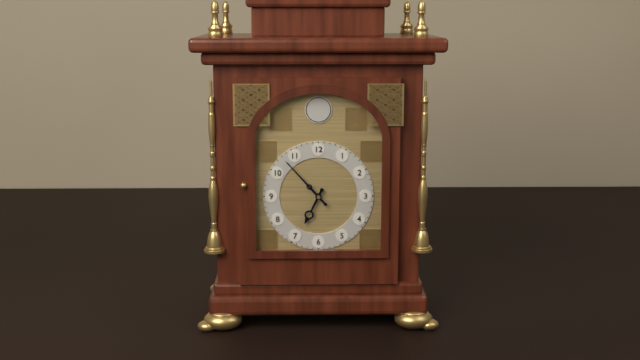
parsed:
6:53
